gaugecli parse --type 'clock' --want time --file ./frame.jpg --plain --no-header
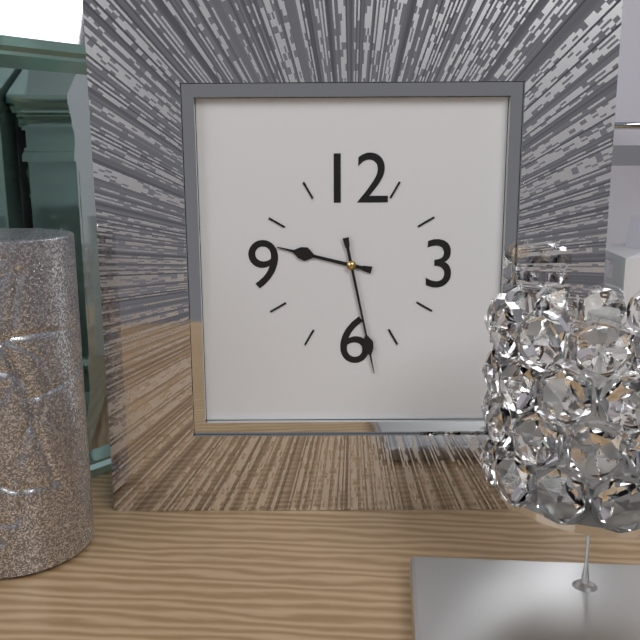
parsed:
9:28
